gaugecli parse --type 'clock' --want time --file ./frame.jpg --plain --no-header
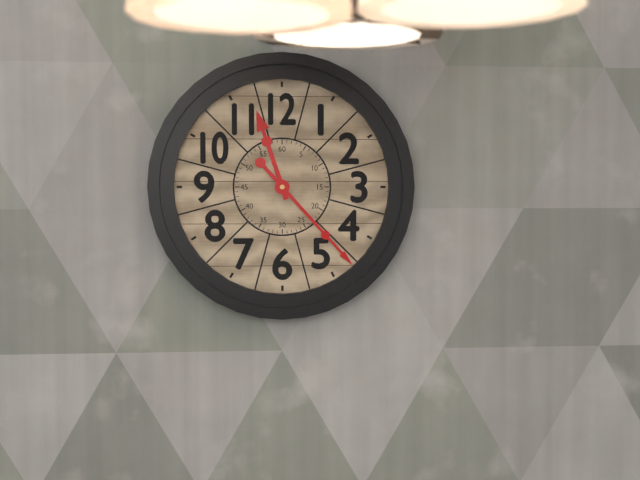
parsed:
11:23
